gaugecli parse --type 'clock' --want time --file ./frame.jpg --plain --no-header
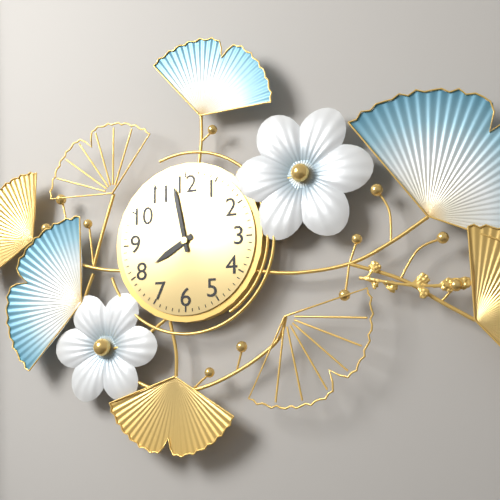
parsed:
7:58
